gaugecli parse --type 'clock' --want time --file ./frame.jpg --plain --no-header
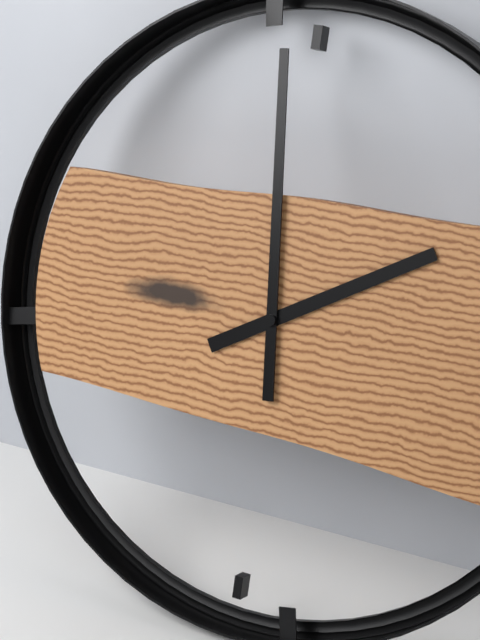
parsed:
1:59
